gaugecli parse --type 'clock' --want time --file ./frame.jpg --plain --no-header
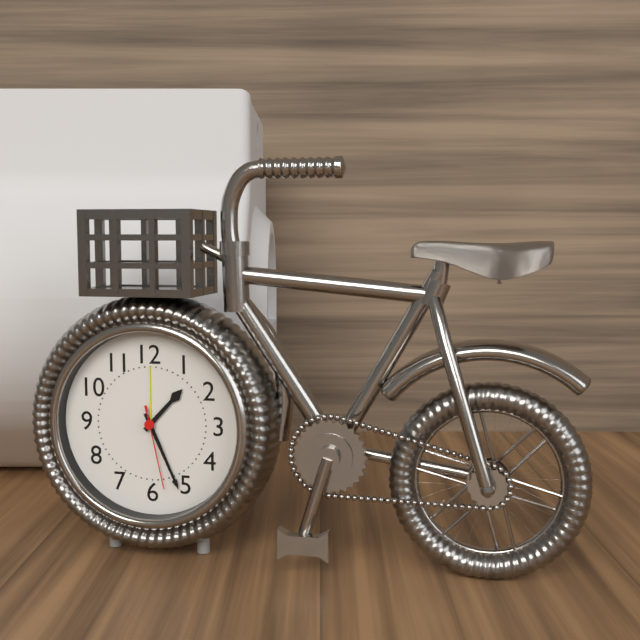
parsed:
1:26:28
